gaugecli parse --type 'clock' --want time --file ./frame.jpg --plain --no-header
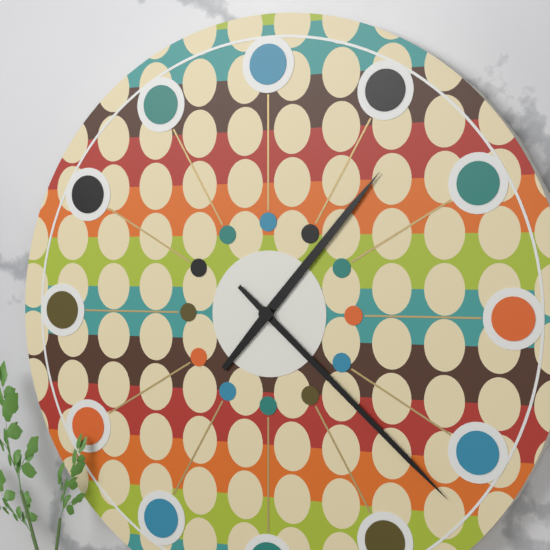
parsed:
1:22
